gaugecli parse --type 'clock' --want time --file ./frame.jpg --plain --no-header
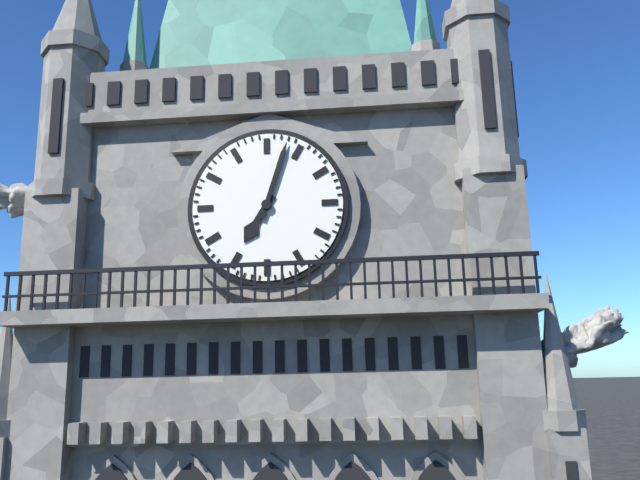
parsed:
7:03
